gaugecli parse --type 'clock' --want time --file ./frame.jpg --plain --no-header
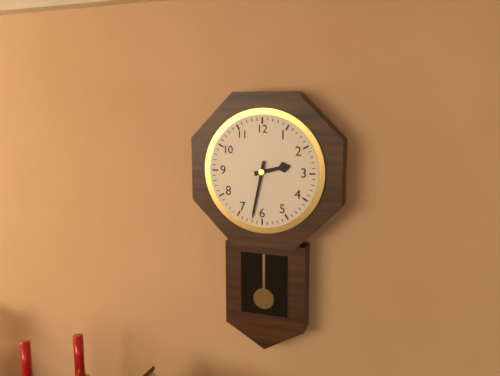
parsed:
2:32
